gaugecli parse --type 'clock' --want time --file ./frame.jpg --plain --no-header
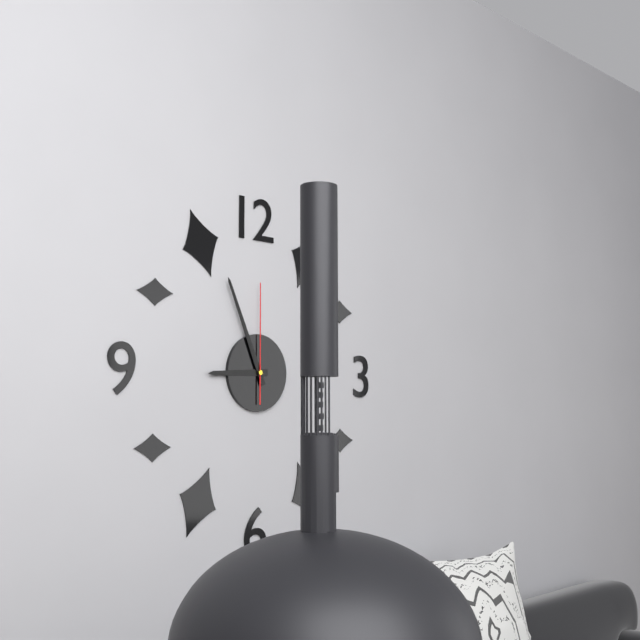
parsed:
8:56:00
